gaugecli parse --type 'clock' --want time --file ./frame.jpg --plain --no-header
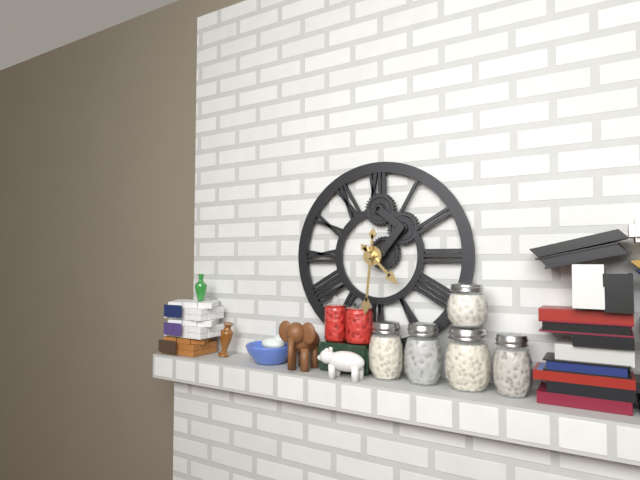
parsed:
4:31
